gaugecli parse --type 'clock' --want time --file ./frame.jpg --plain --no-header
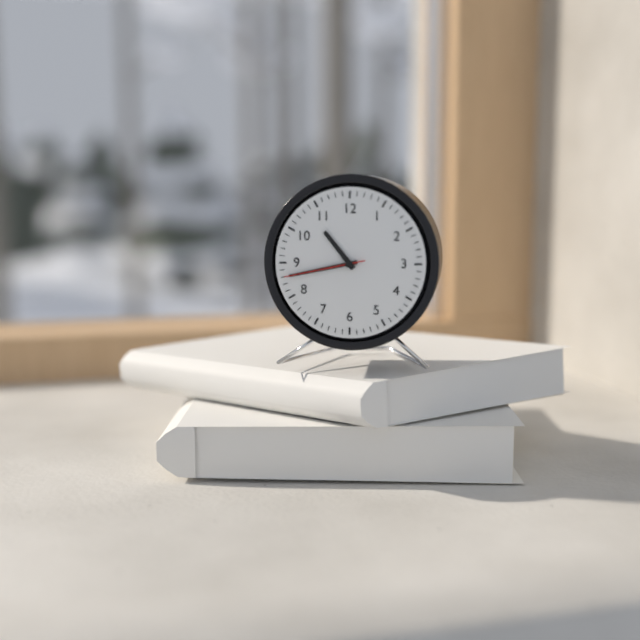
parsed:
10:43:43
